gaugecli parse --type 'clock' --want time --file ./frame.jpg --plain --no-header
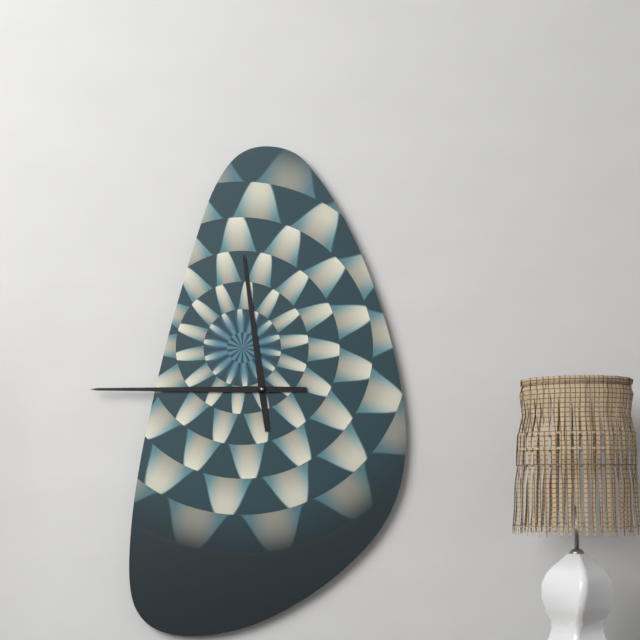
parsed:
11:45
